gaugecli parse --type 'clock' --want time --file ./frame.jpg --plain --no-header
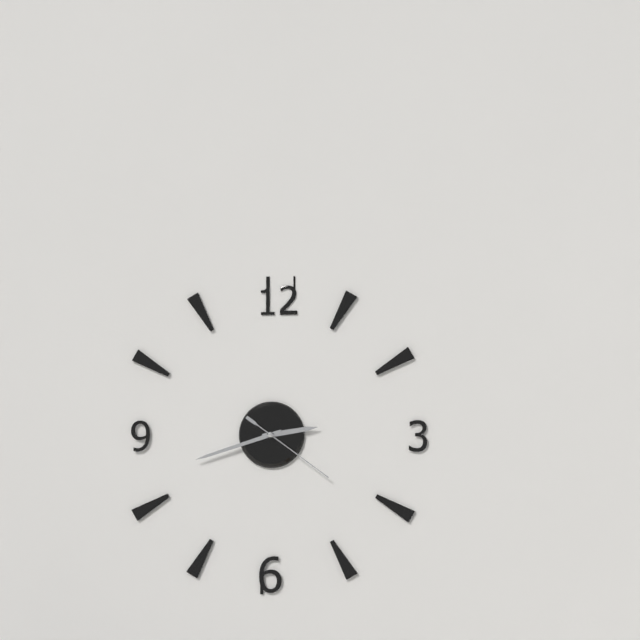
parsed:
2:42:21
